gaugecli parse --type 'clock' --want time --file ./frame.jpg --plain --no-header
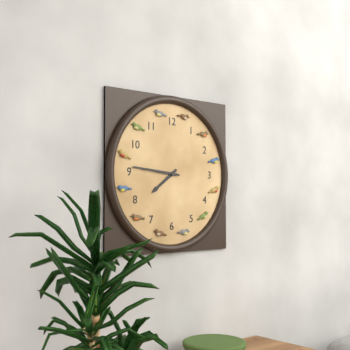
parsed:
7:46
